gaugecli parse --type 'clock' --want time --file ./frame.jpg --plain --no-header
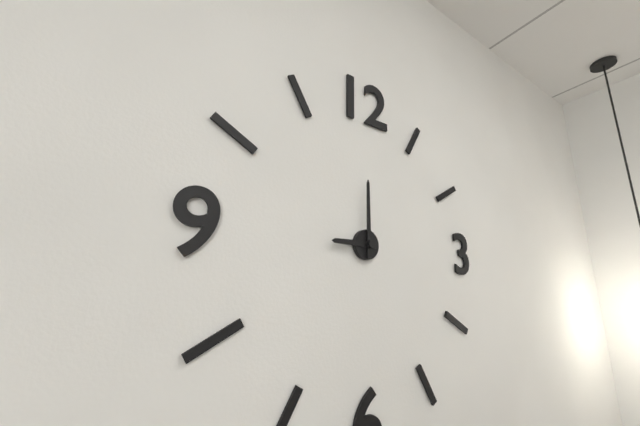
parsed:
9:00
